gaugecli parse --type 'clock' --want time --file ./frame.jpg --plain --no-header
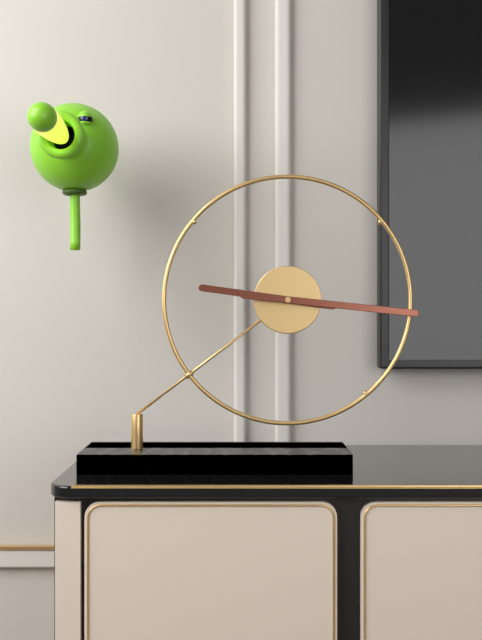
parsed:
9:16
